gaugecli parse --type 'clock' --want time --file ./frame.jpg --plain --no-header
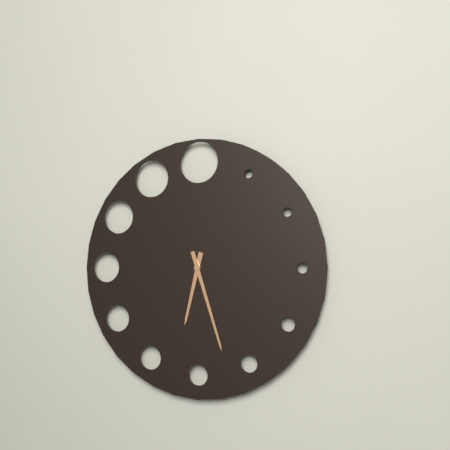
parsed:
6:27
